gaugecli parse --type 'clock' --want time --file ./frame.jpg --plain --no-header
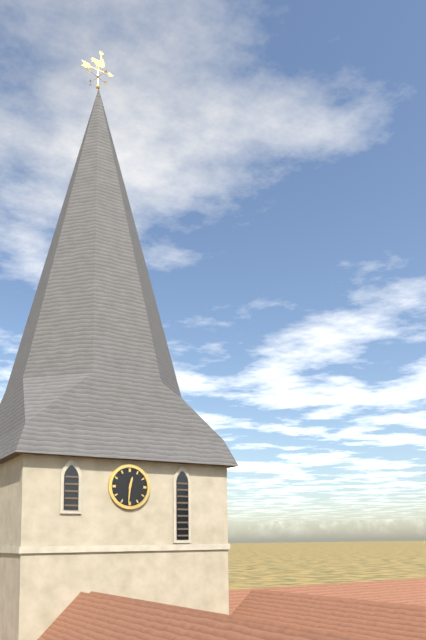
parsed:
12:31
